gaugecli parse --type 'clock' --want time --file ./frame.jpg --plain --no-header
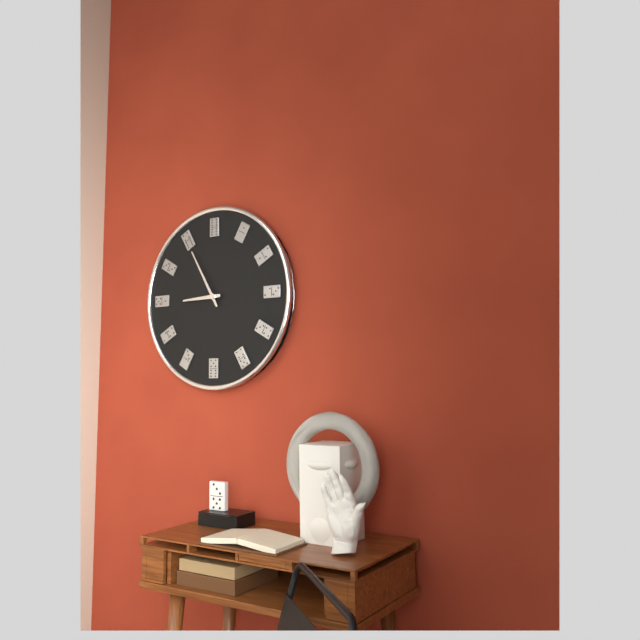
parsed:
8:55
